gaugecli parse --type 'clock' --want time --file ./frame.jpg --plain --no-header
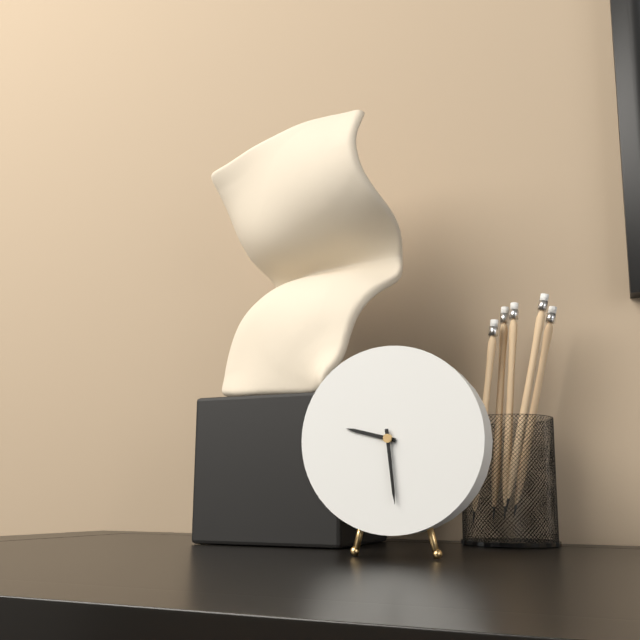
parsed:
9:29
